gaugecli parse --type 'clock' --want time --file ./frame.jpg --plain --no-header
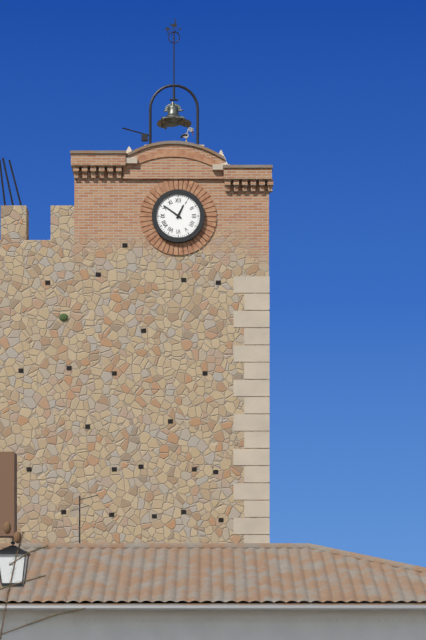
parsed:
12:51
